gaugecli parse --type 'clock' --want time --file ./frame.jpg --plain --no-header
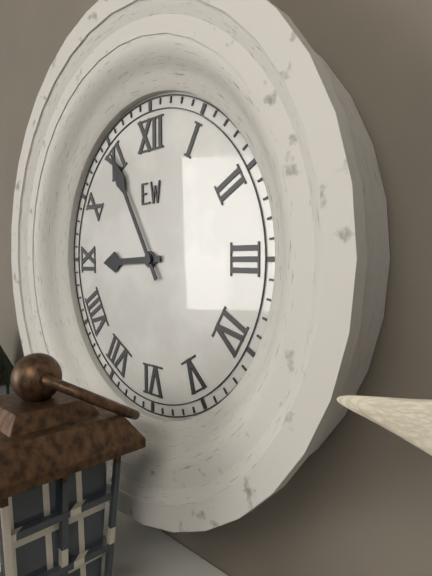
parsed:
8:55
